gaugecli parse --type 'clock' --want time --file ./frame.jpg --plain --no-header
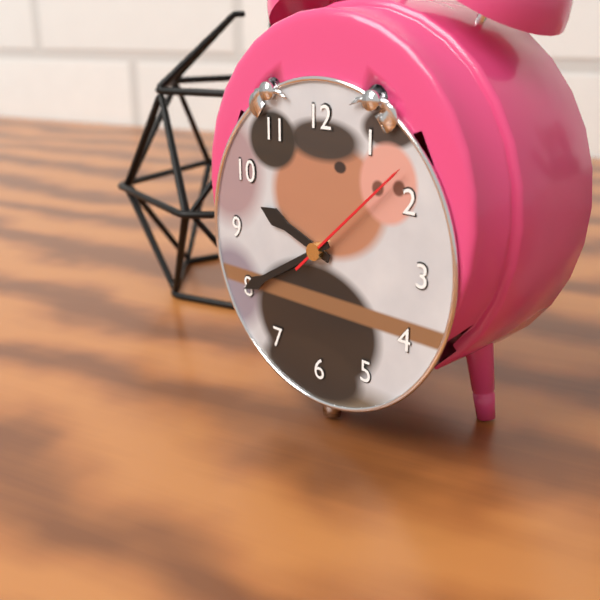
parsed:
9:40:08
